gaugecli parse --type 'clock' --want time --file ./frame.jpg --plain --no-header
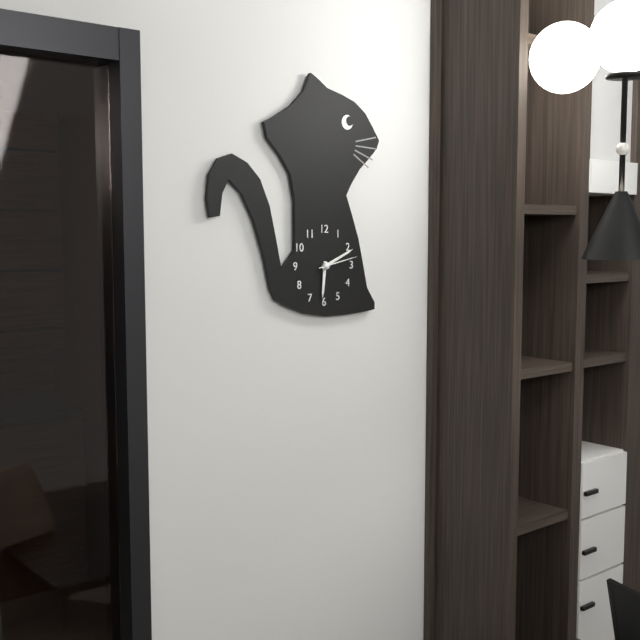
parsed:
6:11
